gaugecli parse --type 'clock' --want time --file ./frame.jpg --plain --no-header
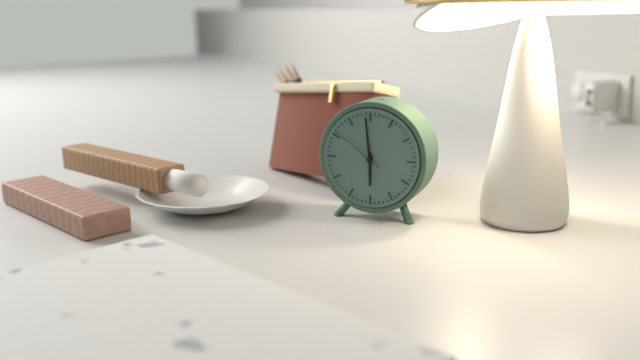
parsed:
5:59:51
